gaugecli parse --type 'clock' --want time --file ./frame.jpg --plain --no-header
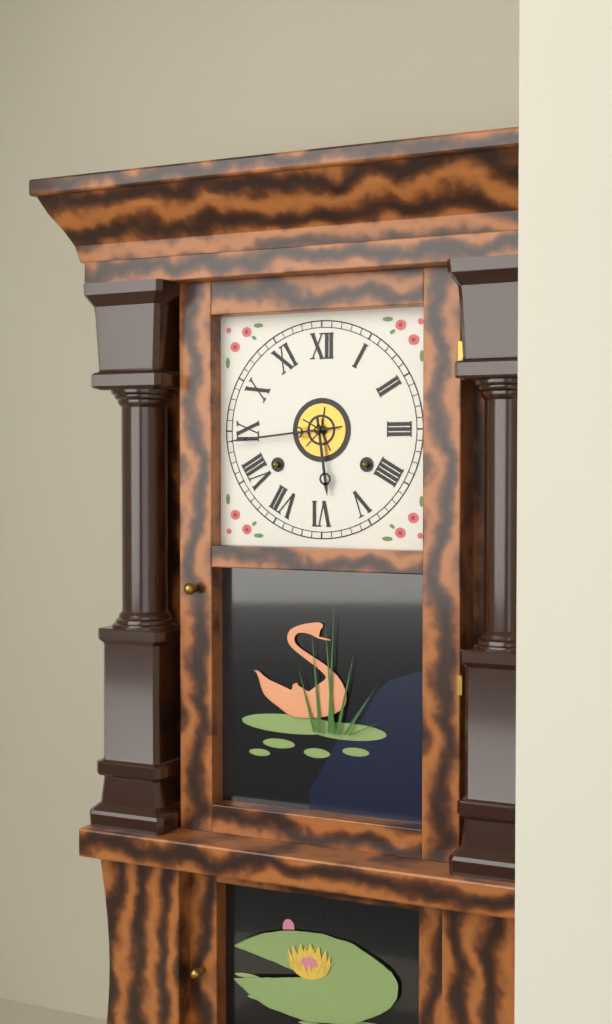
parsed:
5:44
